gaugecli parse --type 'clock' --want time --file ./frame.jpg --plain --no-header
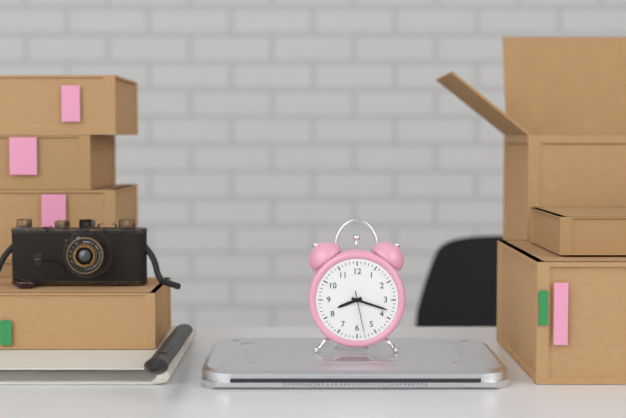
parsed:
8:18
